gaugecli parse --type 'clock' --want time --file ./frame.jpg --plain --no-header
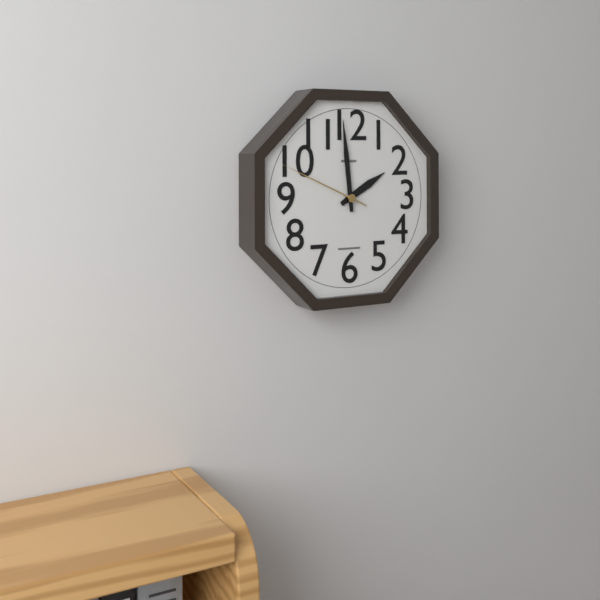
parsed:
1:59:49
